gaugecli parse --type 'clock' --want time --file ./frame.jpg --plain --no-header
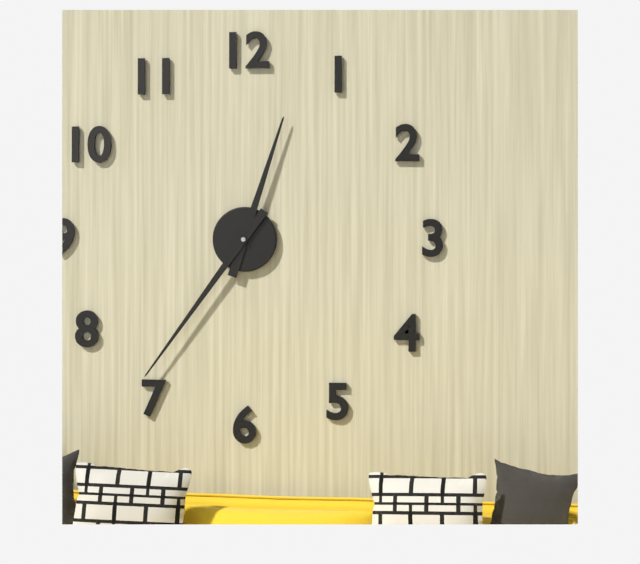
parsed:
12:36
